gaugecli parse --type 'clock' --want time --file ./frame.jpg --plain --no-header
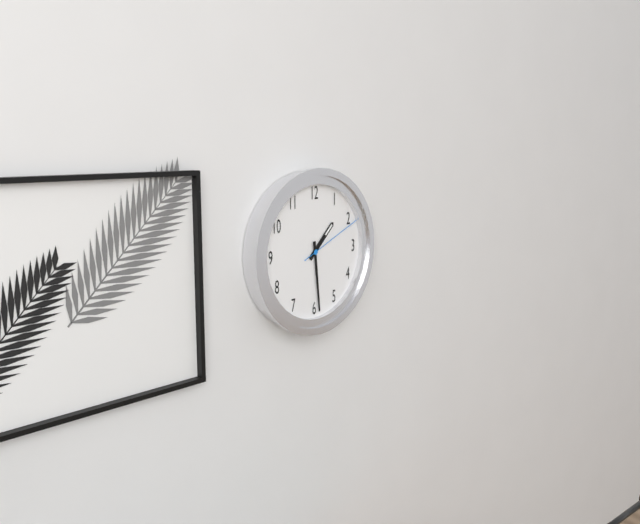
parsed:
1:29:11
